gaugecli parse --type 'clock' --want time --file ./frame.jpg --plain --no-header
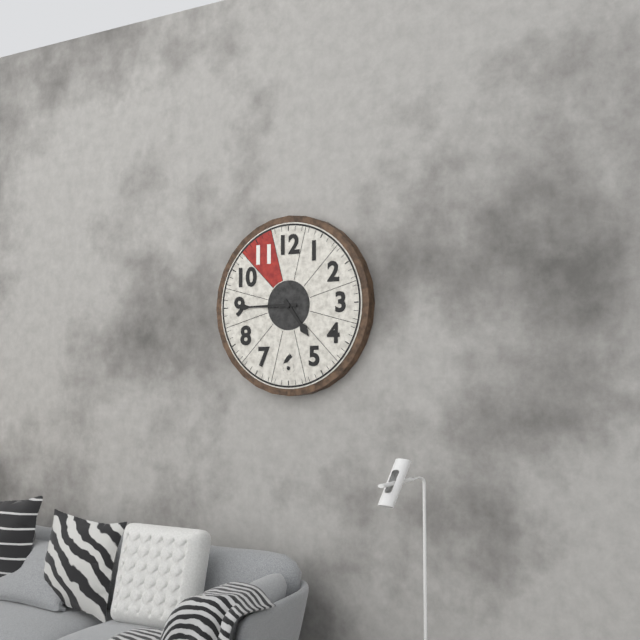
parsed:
4:45
